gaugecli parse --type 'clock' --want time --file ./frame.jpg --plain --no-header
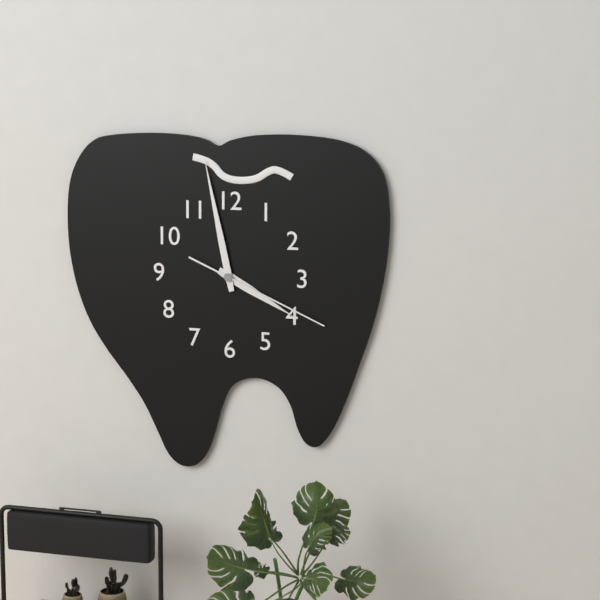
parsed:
3:58:19
